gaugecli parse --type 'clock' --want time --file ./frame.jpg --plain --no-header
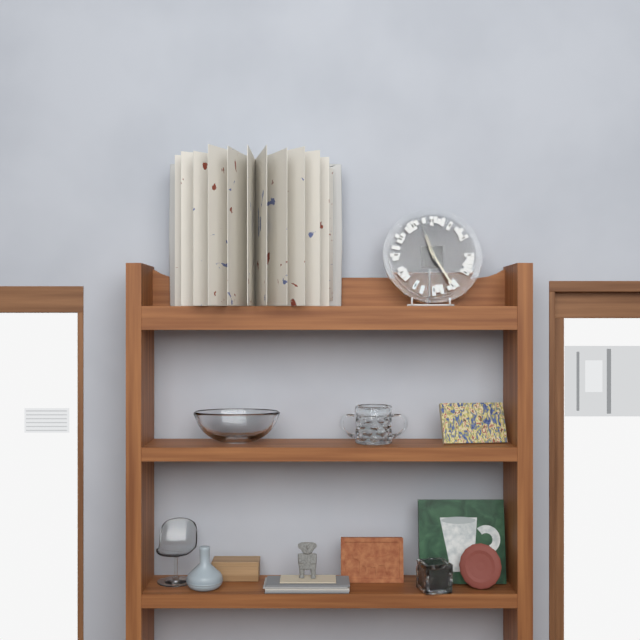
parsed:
11:25
